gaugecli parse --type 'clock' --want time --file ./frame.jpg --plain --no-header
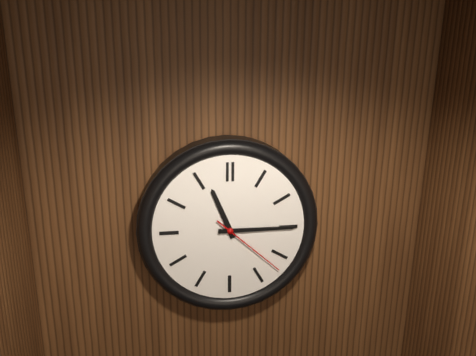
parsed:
11:15:22
